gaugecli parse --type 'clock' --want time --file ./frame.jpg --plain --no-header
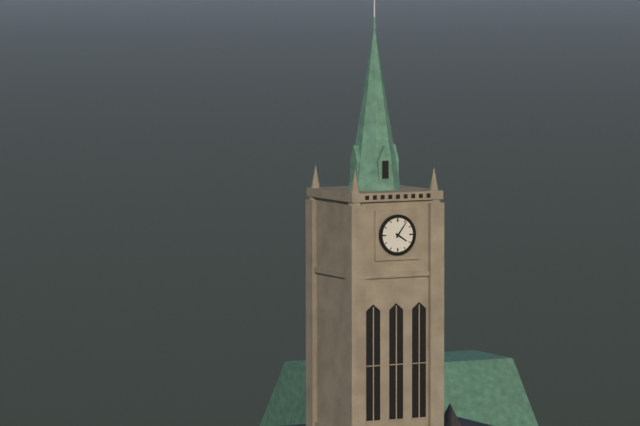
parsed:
4:06
